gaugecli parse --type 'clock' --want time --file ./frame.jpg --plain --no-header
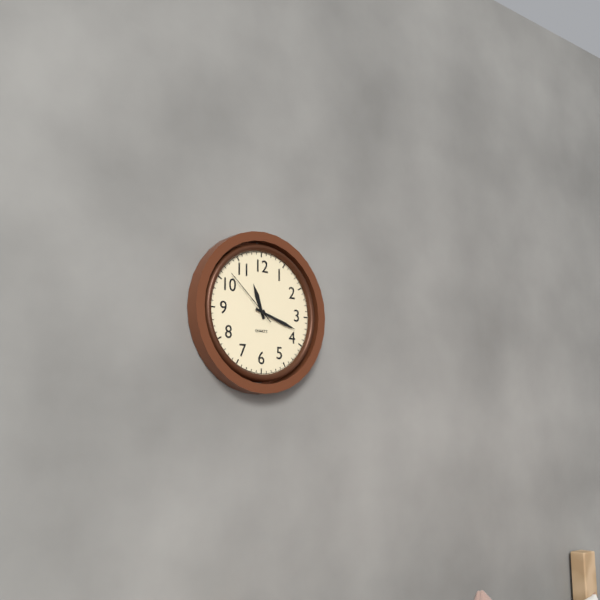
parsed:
11:18:52
